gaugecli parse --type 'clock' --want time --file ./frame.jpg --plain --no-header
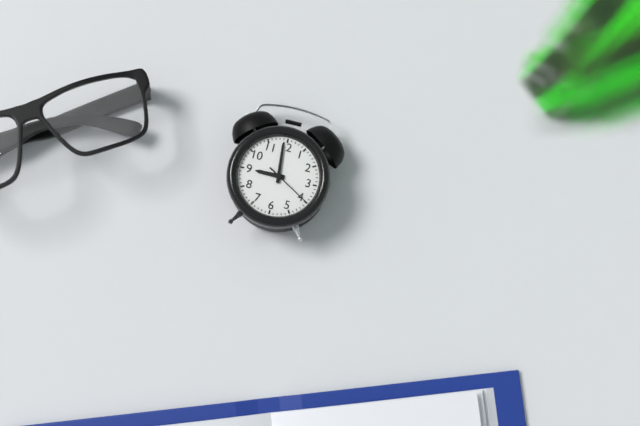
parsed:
8:59
